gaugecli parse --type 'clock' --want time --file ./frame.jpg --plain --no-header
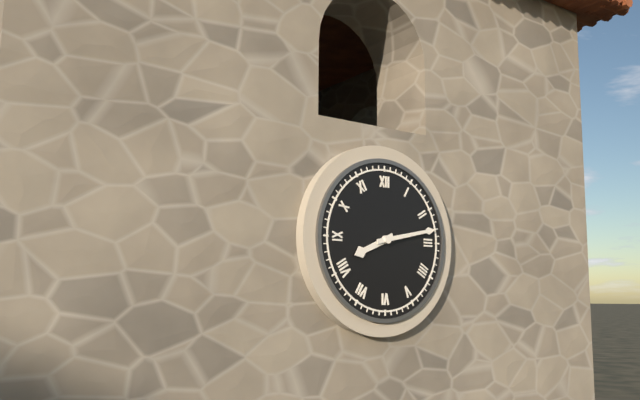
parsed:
8:13
